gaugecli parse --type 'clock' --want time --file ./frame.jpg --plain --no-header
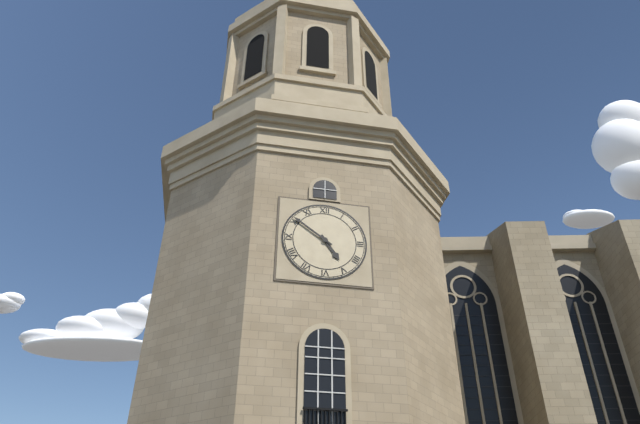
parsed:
4:51
